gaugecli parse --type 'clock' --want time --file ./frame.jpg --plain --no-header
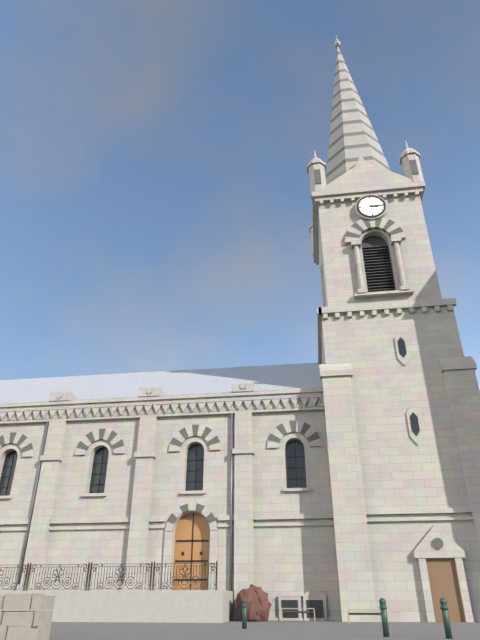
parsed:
3:15
